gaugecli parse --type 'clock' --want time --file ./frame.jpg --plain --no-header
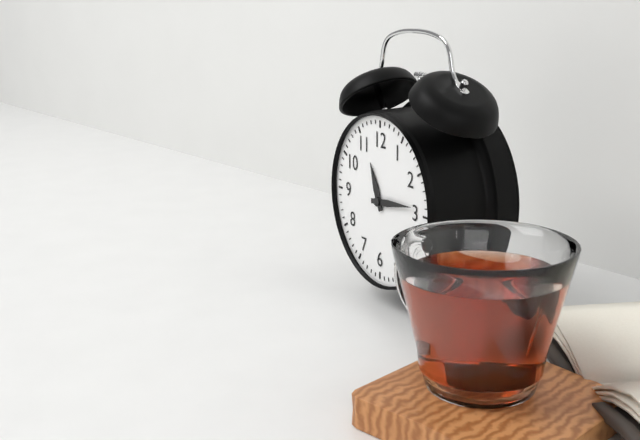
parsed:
11:14
